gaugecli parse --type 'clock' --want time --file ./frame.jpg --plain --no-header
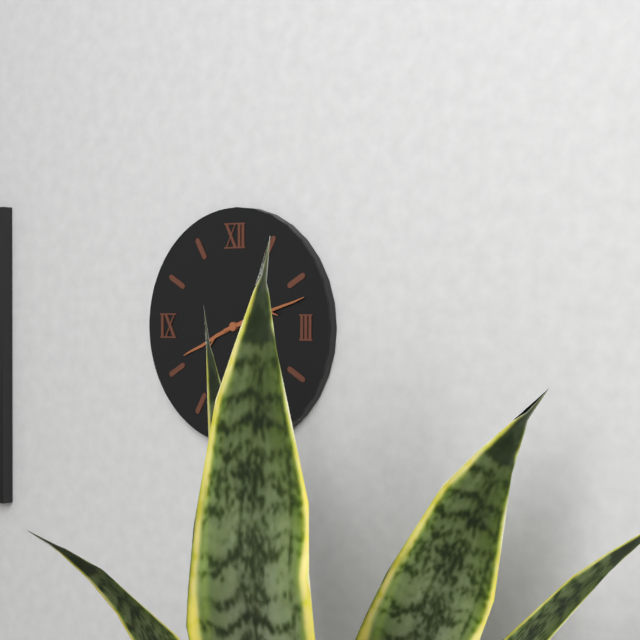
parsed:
8:12
